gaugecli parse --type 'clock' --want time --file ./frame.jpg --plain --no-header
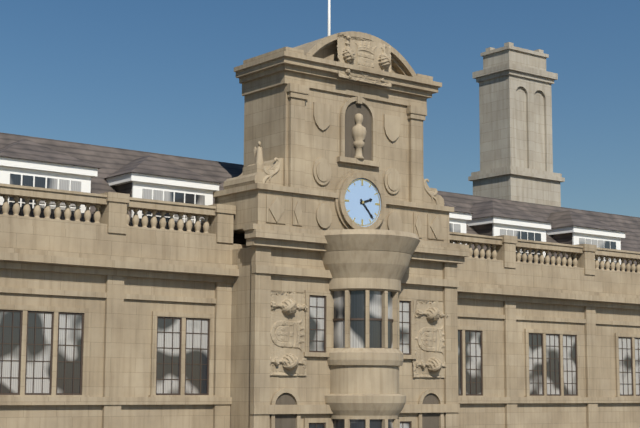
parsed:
2:23
